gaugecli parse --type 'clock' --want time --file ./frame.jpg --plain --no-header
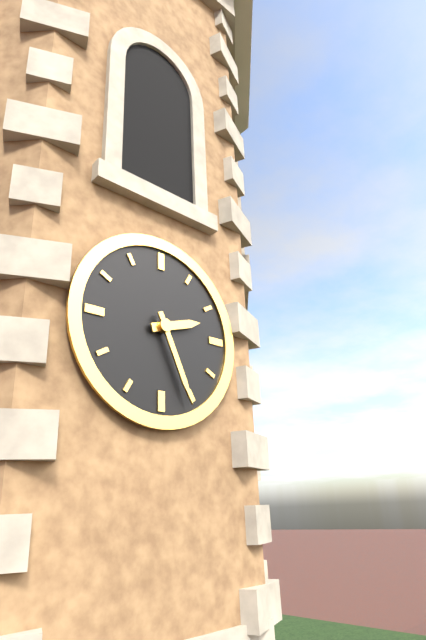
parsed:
2:26
